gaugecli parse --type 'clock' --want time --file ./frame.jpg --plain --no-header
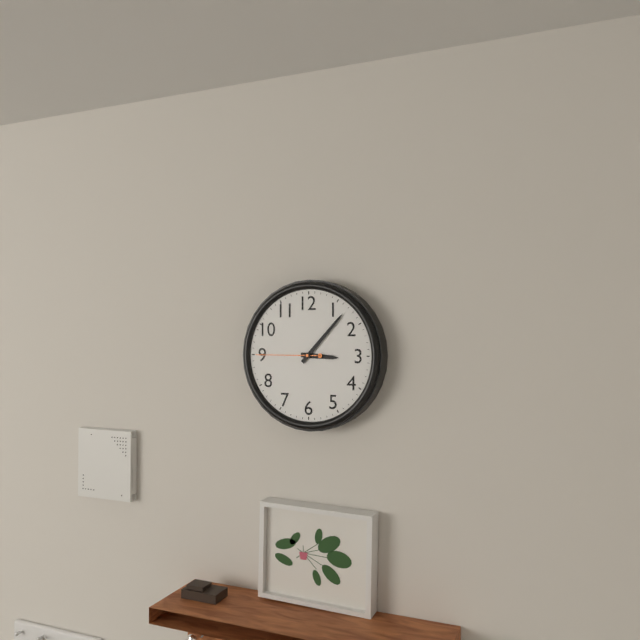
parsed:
3:07:45
